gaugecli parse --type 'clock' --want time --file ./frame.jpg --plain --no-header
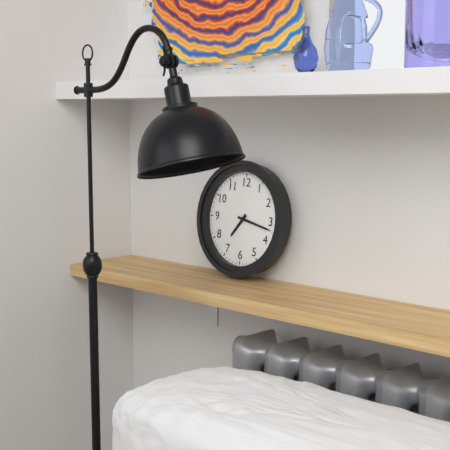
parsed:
7:17
